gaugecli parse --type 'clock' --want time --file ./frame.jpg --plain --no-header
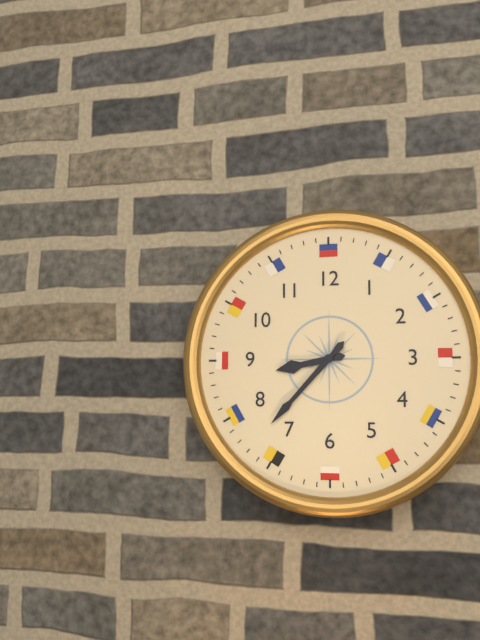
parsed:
8:37
